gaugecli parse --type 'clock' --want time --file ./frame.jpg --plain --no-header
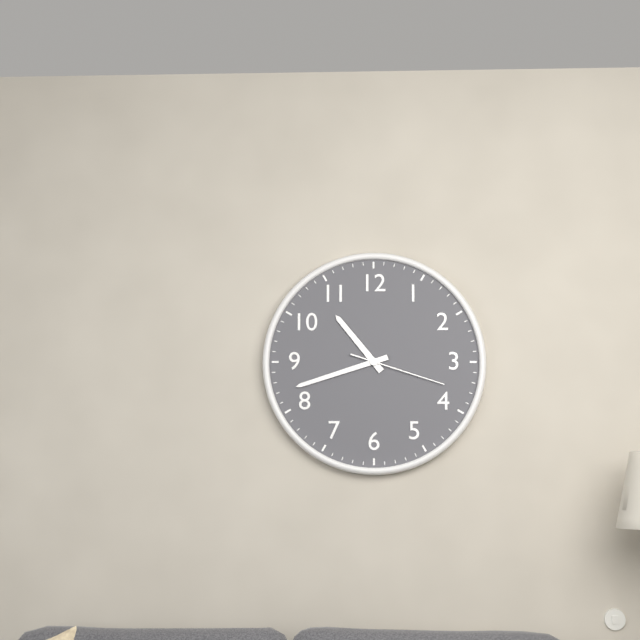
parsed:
10:42:18
